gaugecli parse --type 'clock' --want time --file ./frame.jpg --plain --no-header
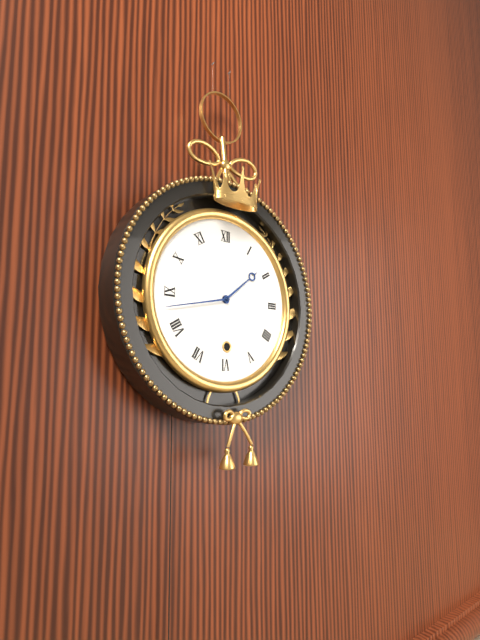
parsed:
1:43
